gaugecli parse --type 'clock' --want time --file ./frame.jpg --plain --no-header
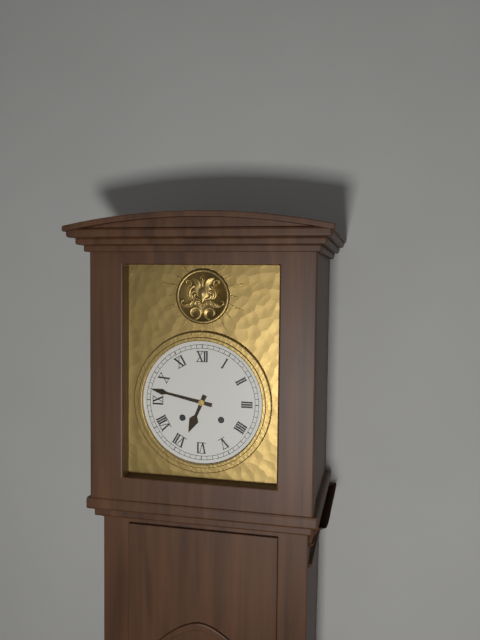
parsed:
6:47
